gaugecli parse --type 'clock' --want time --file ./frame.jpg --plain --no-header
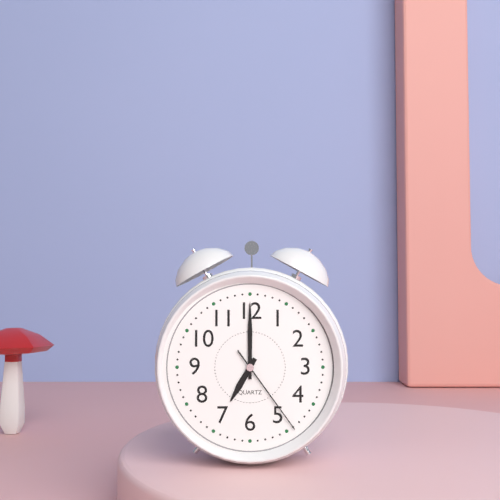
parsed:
7:00:24
